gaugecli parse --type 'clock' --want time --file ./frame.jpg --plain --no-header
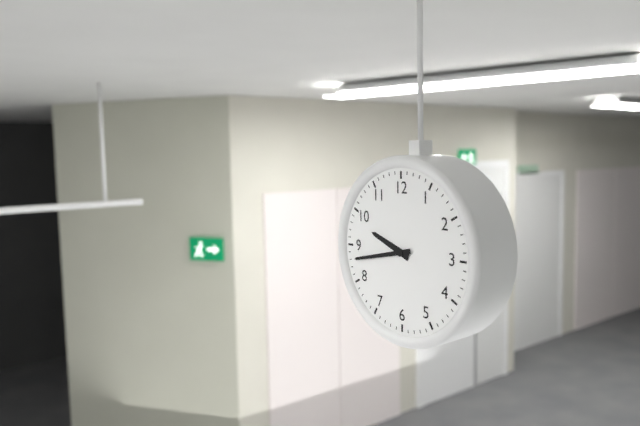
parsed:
9:43
